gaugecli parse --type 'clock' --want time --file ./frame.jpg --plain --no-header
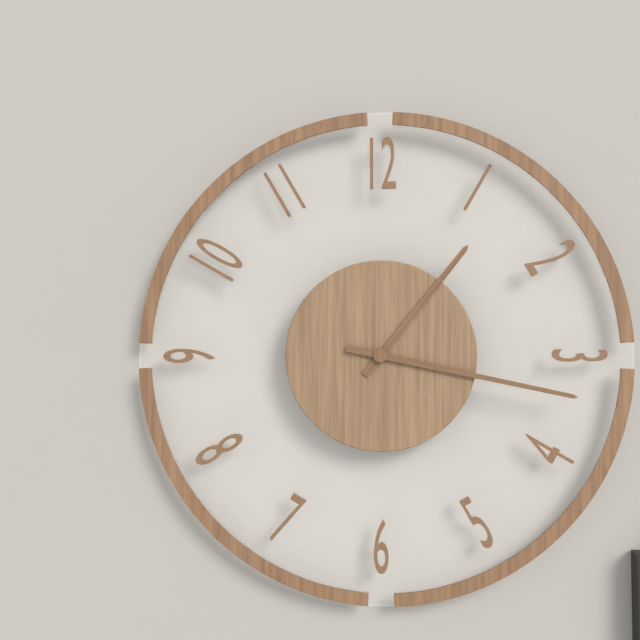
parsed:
1:17
